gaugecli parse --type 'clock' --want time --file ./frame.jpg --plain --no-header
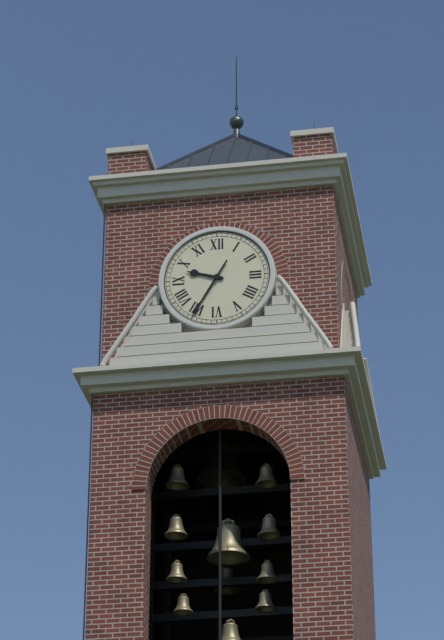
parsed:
9:35
